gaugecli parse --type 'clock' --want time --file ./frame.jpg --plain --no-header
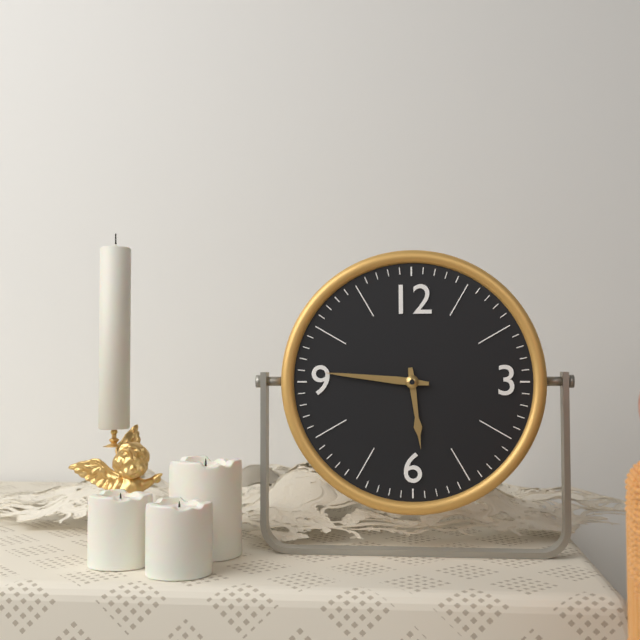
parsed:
5:46
